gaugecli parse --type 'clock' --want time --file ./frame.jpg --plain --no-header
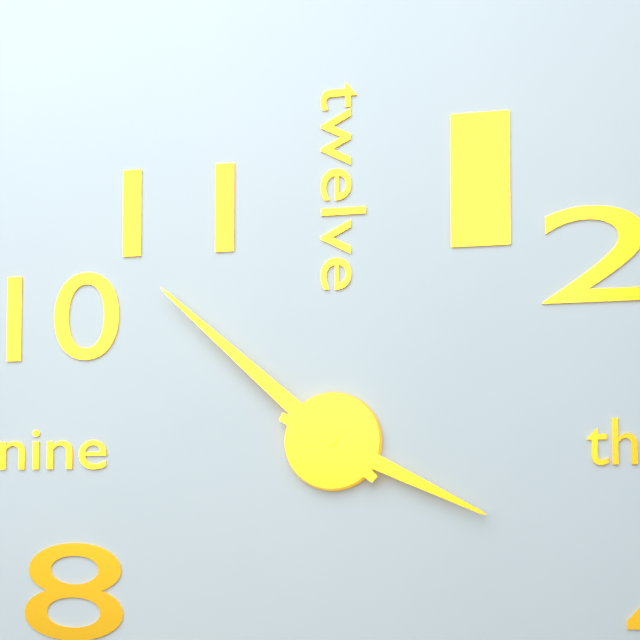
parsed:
3:52
